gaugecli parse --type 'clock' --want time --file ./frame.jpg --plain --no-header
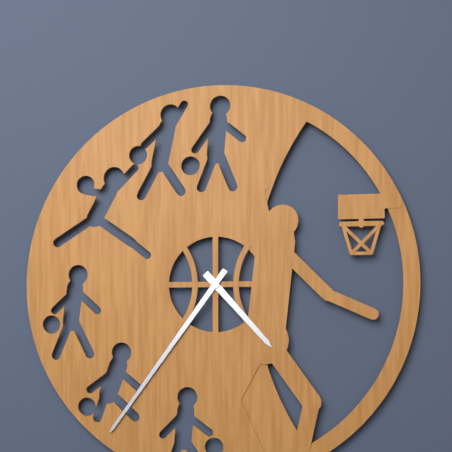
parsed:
4:36
